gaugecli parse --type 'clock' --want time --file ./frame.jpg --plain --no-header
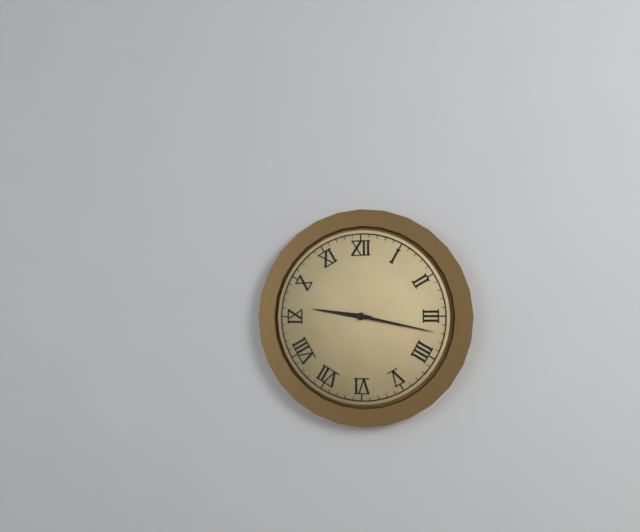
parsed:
9:17
